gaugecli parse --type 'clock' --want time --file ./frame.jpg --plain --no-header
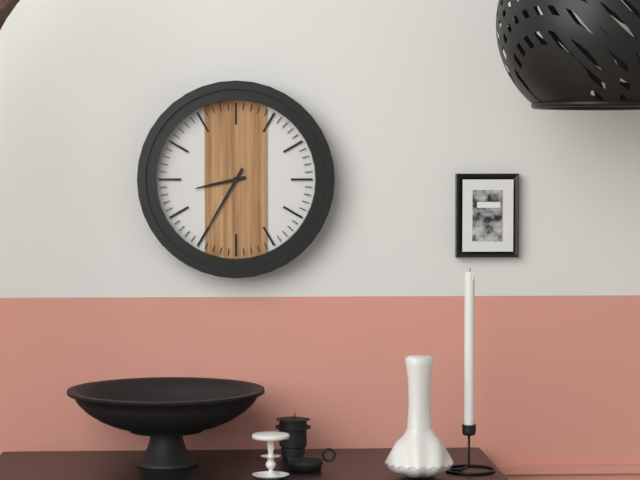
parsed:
8:35
